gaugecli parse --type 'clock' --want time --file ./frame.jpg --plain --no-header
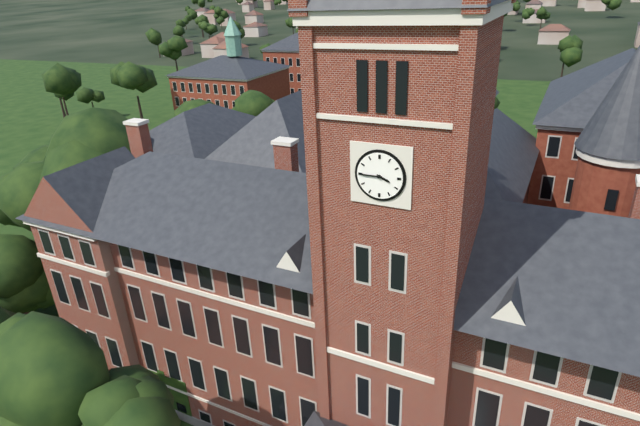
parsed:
3:45
